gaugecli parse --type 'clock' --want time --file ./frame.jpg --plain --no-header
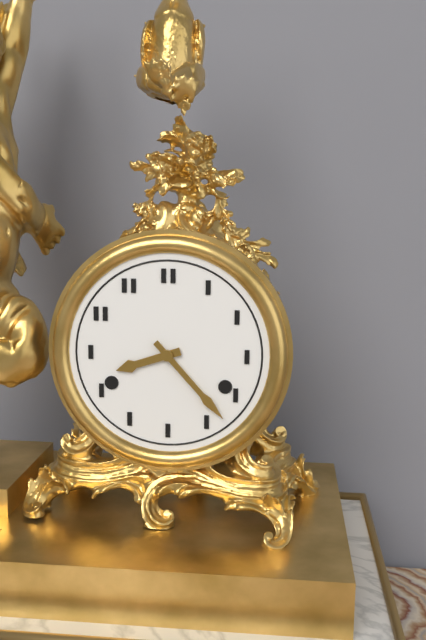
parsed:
8:23
